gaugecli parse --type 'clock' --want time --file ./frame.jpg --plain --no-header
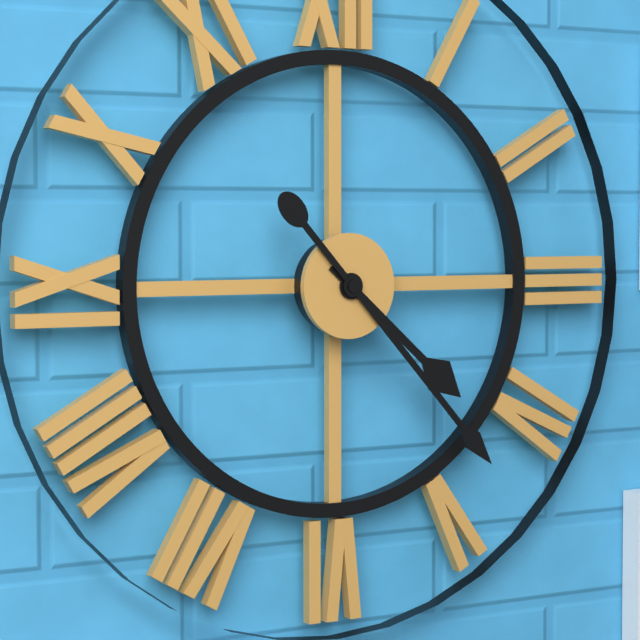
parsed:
4:23
